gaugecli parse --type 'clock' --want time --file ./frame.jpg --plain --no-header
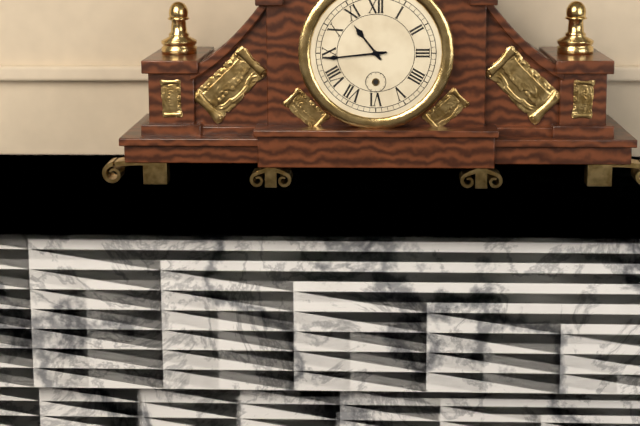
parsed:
10:44
